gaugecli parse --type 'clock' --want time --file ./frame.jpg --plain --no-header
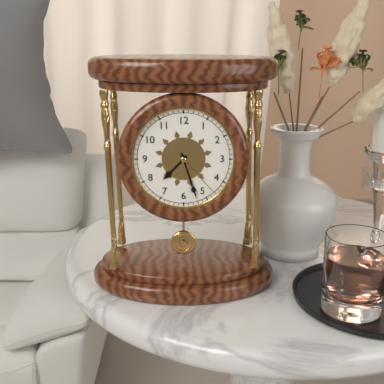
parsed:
7:27:23
